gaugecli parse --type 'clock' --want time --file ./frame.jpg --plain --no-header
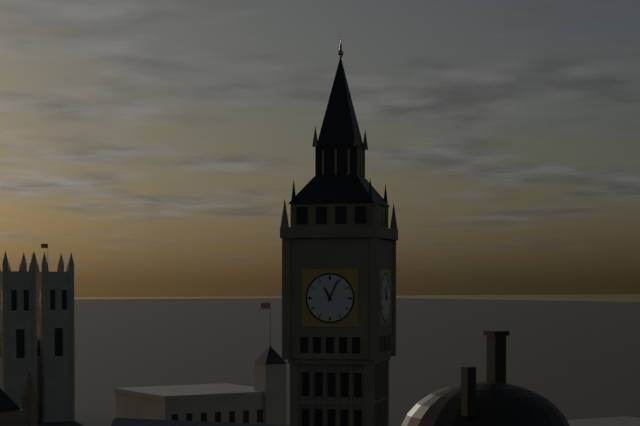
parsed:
11:04
